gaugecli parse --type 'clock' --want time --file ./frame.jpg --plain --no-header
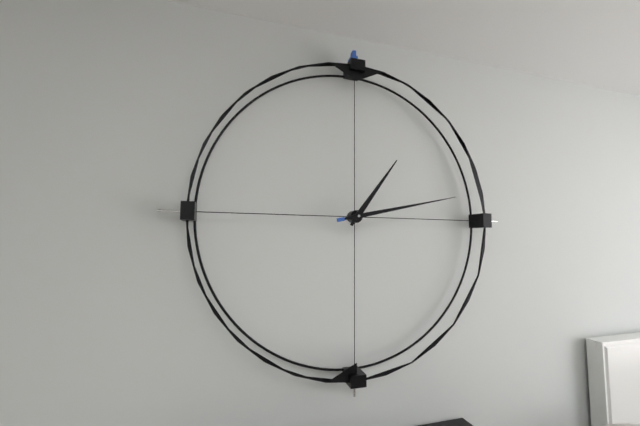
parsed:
1:13
